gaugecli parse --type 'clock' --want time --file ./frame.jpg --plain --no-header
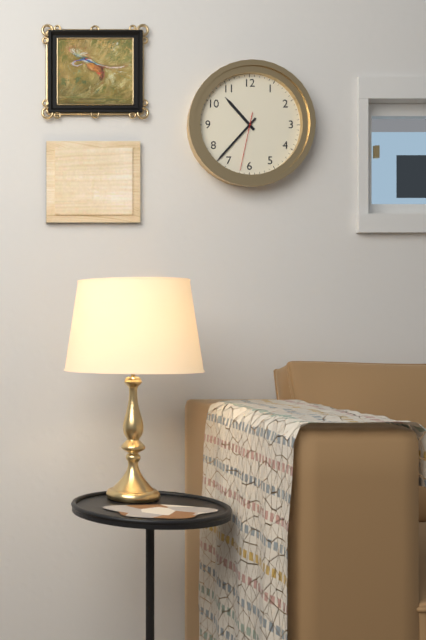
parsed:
10:37:32
